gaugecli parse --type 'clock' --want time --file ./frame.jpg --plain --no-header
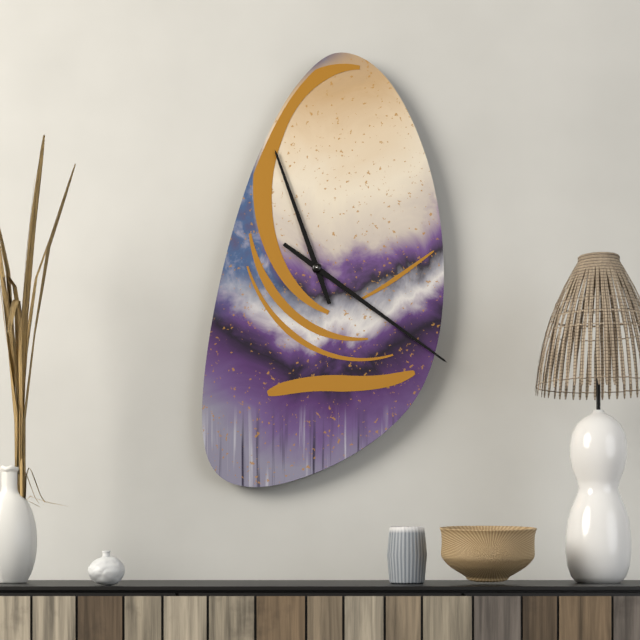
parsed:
11:21
